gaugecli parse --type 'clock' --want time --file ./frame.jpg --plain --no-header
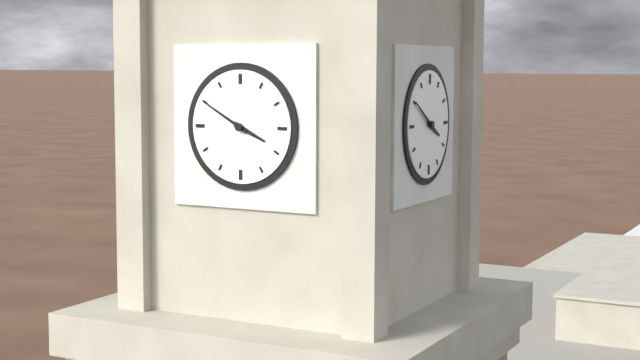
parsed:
3:50
